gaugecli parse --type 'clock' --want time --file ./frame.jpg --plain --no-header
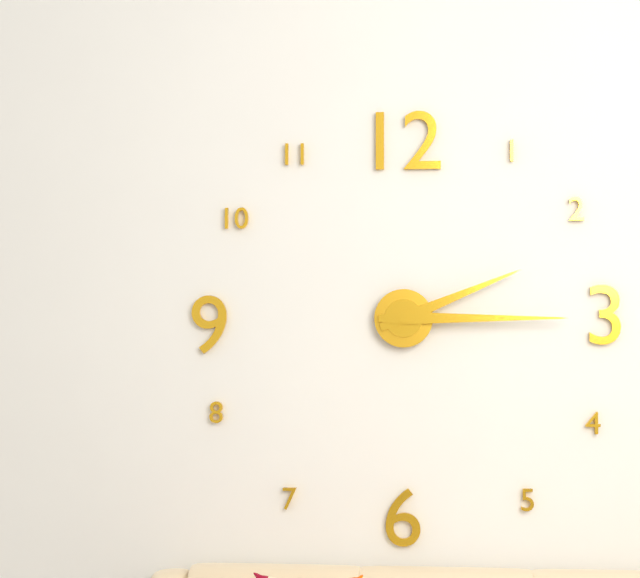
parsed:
2:15
